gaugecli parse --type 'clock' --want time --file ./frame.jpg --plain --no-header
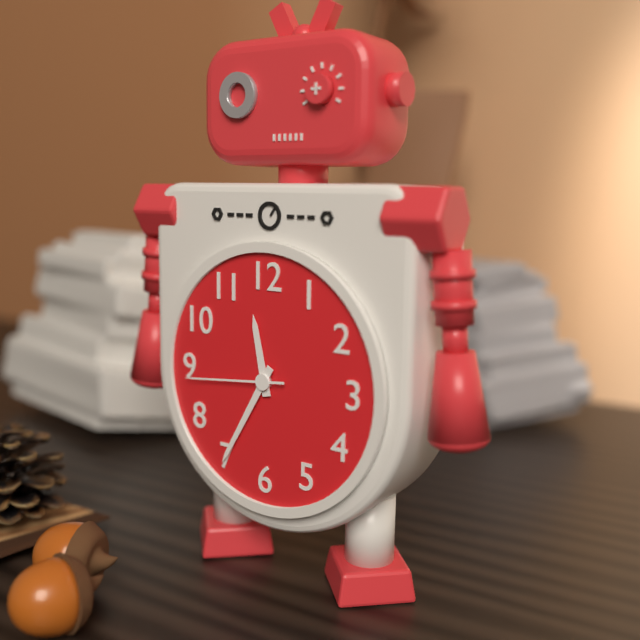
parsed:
11:35:44
